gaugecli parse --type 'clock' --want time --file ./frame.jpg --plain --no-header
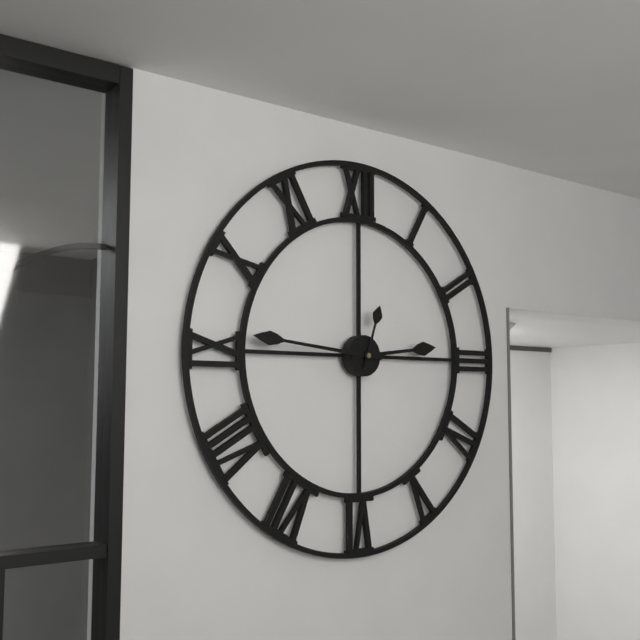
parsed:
2:46:03
